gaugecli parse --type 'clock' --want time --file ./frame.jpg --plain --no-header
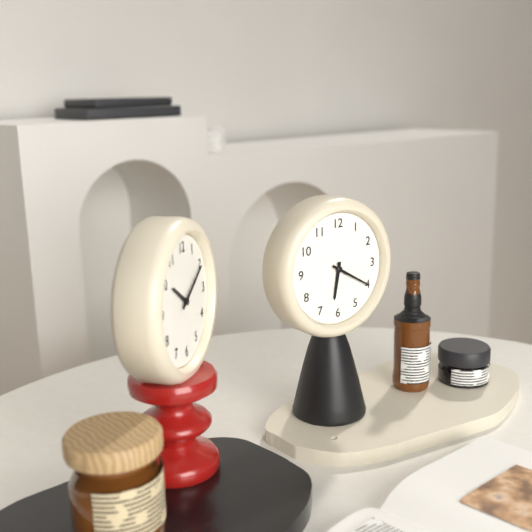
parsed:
6:20
